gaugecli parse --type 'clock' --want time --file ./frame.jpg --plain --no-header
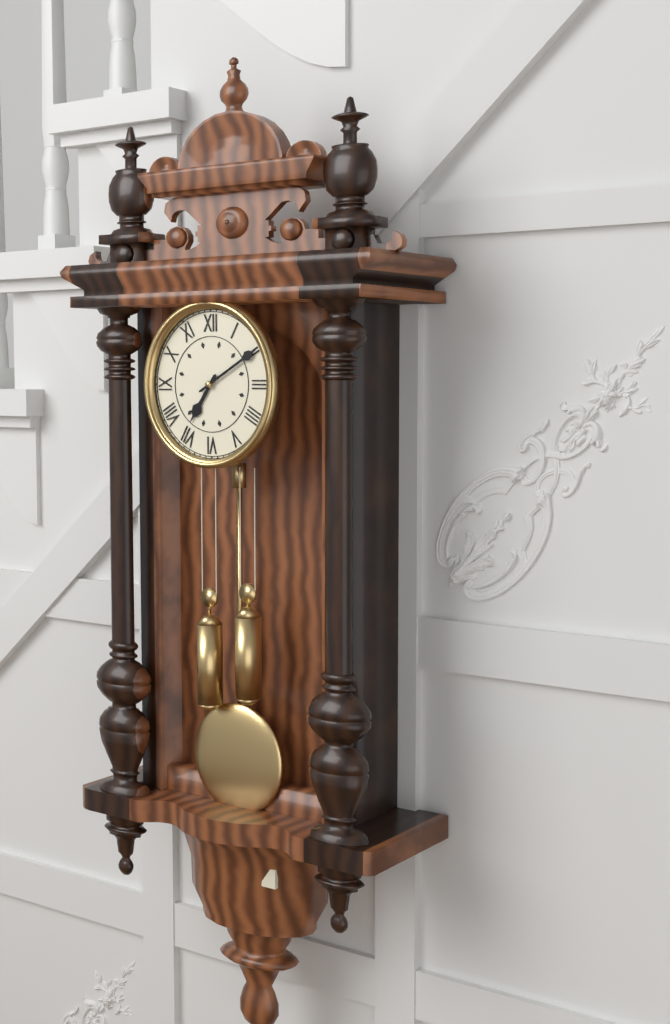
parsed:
7:10
